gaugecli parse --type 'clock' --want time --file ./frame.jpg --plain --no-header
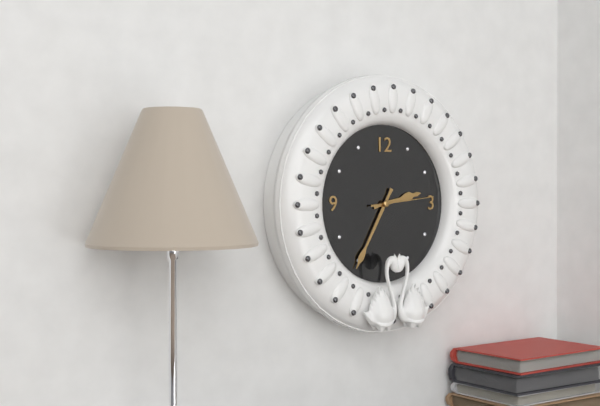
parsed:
2:35:14
